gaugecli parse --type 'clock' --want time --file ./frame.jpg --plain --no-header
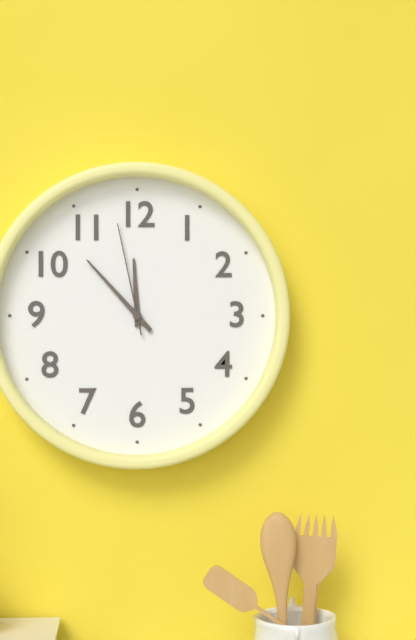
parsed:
11:53:58
